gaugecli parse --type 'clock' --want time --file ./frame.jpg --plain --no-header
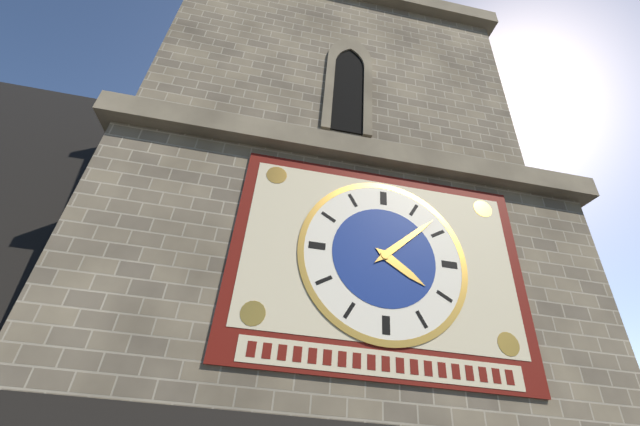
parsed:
4:08
